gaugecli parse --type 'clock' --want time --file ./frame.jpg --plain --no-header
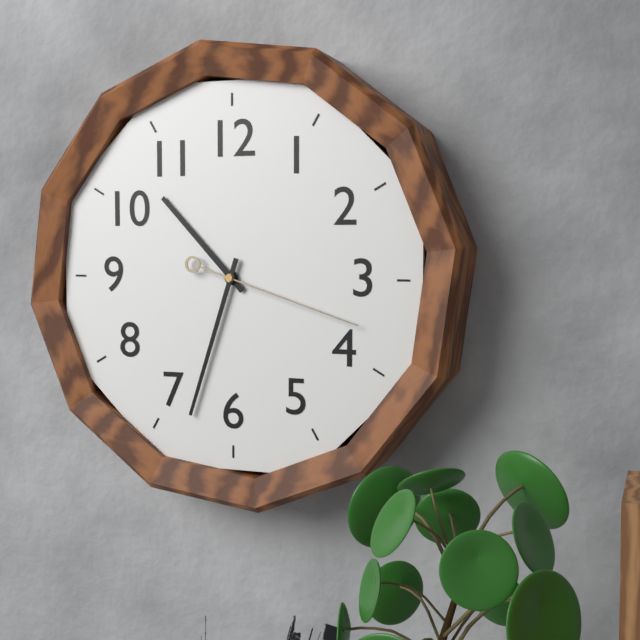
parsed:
10:33:18
